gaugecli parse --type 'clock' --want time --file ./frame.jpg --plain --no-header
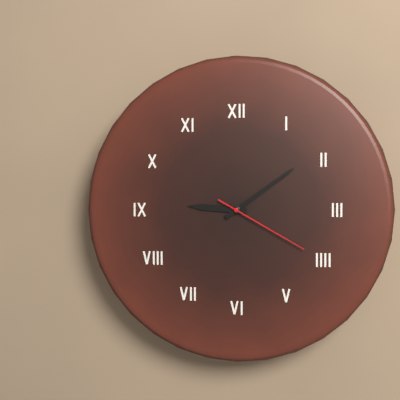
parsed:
9:09:20
